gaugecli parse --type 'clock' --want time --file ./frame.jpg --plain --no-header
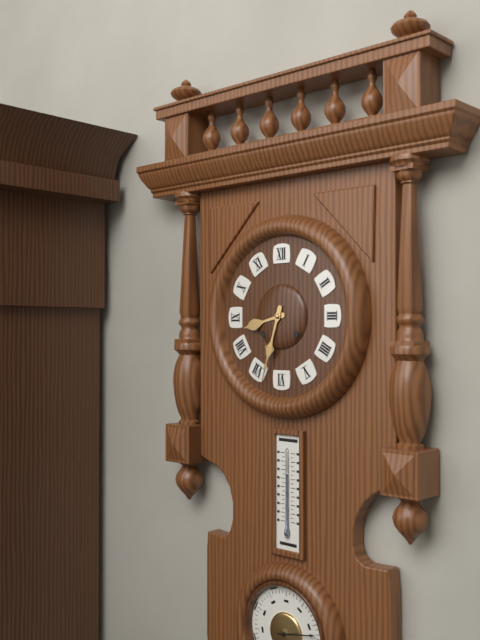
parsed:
8:33
